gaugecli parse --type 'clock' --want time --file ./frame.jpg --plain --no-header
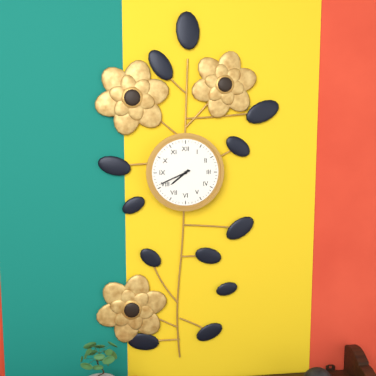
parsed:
7:41
